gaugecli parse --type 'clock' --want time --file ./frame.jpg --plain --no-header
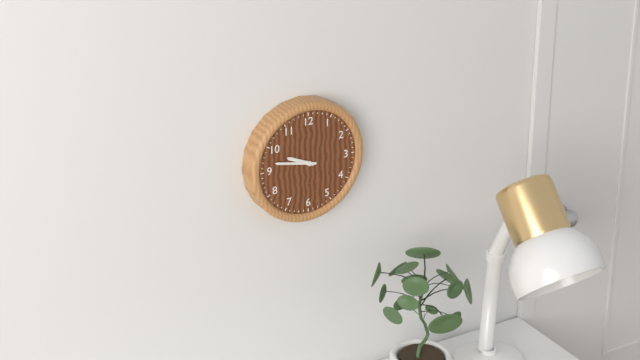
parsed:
9:47
